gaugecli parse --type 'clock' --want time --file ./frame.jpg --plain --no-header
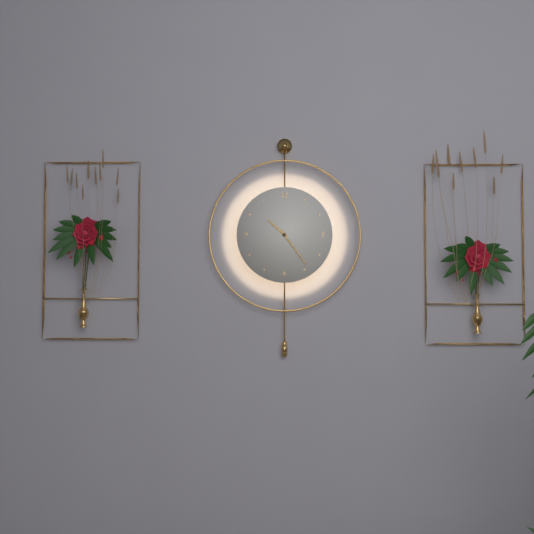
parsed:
10:24
